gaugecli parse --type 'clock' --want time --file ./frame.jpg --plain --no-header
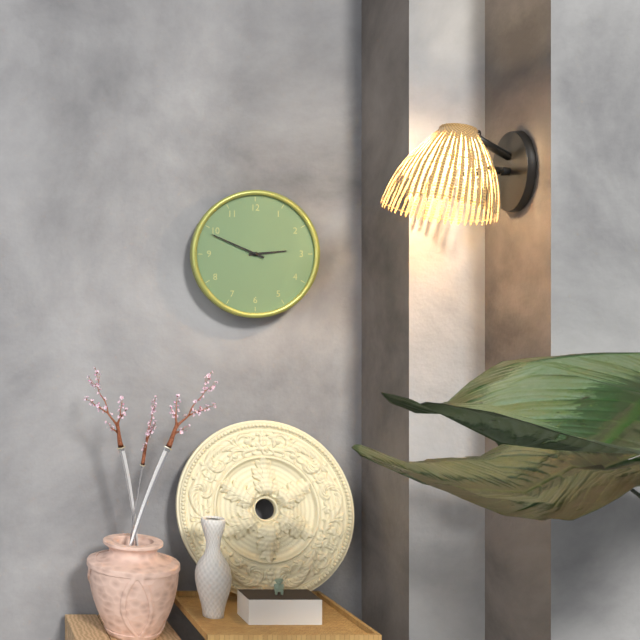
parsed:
2:49
